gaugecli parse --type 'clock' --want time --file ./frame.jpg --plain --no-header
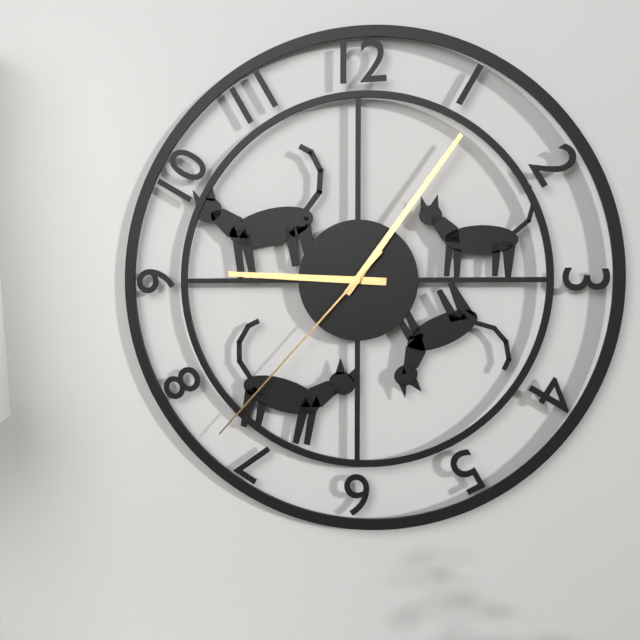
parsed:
9:06:37
